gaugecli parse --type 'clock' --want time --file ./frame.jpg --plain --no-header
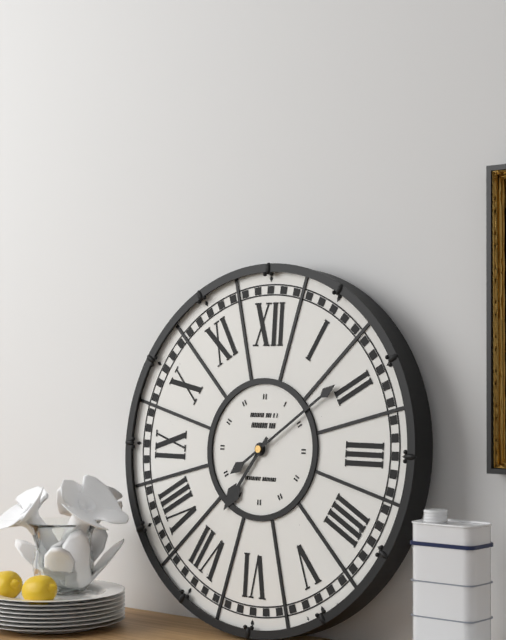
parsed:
7:09
